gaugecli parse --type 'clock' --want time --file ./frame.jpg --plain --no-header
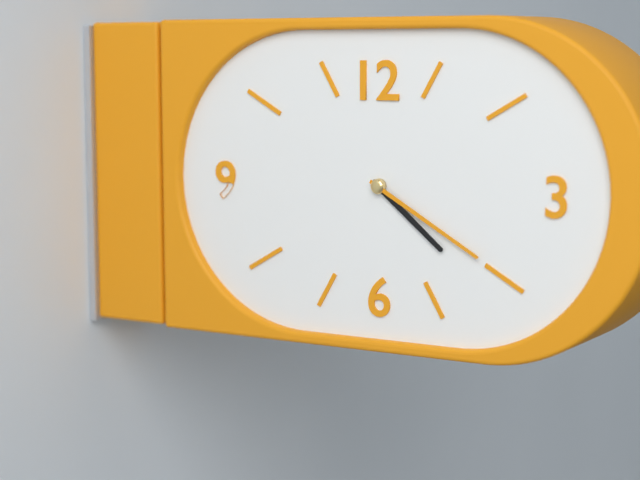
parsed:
4:20
